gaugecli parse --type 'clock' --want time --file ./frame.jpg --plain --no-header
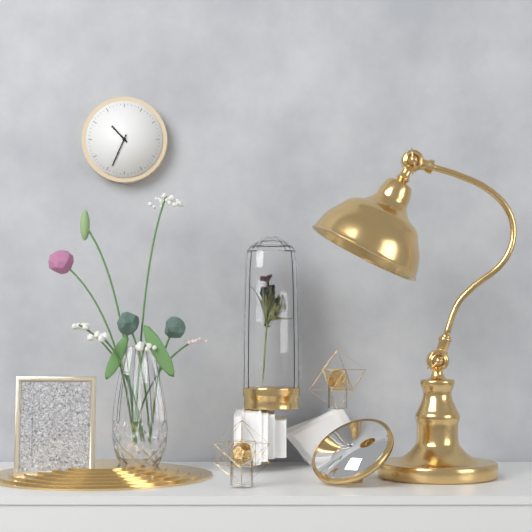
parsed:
10:34
